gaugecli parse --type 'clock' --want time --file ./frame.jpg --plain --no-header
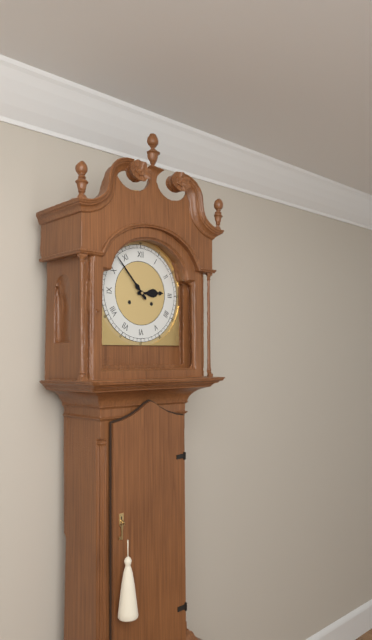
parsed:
2:53
